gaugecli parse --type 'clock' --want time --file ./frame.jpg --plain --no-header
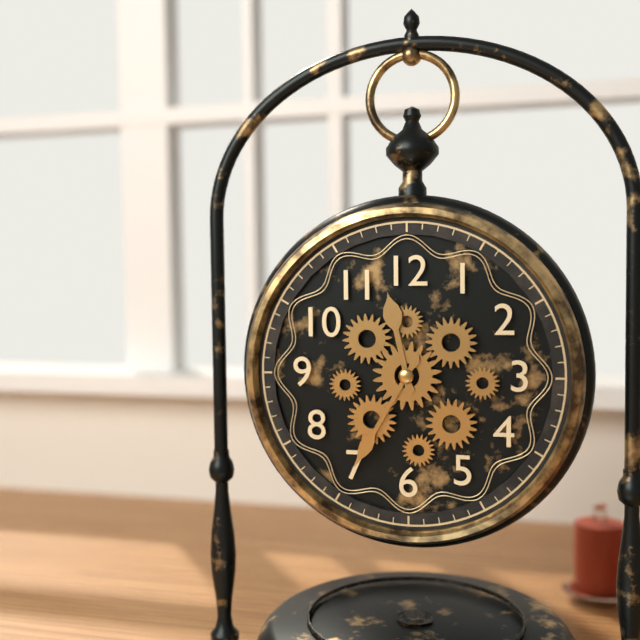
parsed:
11:35
